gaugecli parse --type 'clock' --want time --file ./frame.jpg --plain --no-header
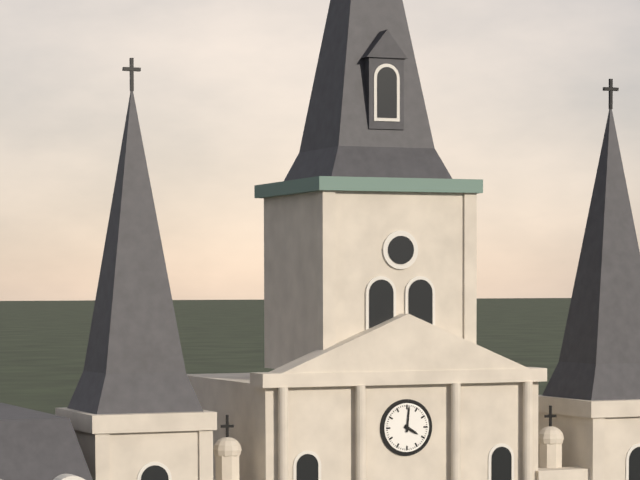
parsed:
4:01
